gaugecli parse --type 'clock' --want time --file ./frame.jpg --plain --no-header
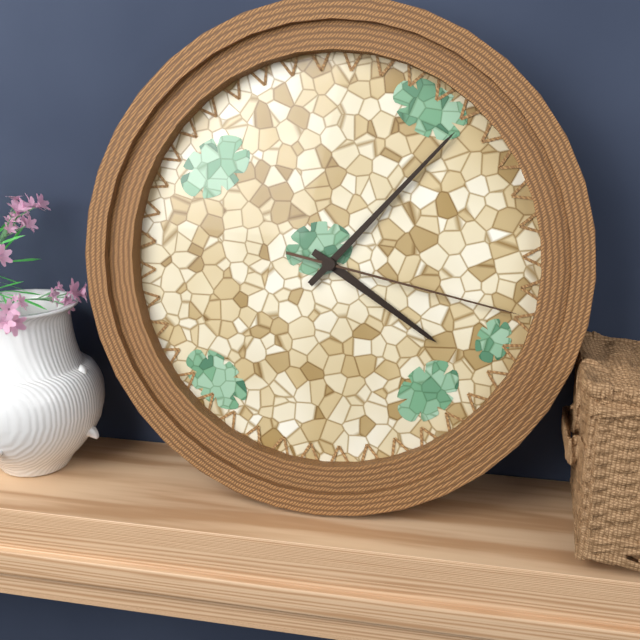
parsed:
4:07:17
